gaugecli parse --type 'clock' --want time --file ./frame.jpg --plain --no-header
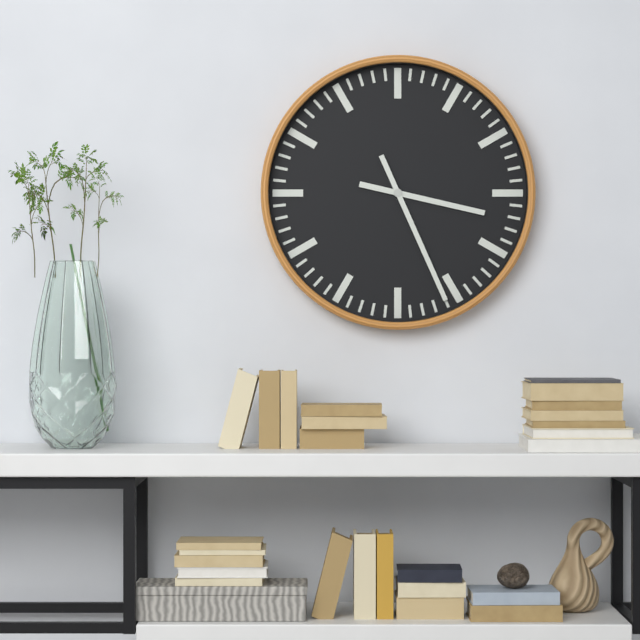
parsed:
3:26
